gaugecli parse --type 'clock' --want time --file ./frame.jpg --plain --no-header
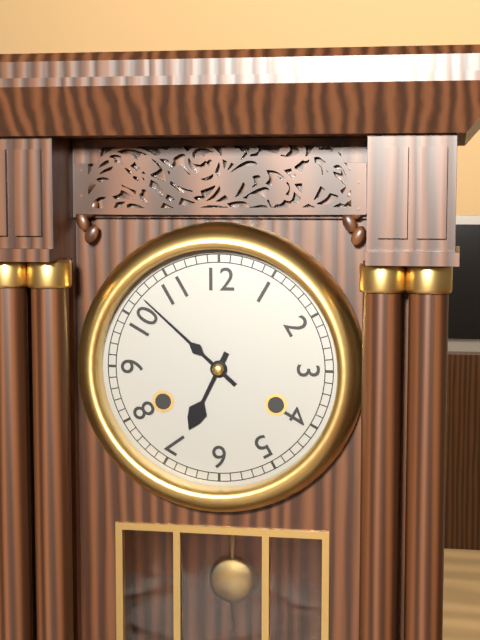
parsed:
6:52
